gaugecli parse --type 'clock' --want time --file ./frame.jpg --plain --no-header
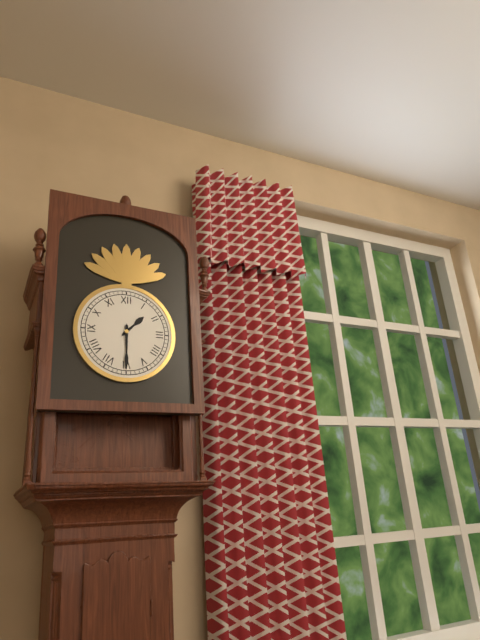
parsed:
1:30
